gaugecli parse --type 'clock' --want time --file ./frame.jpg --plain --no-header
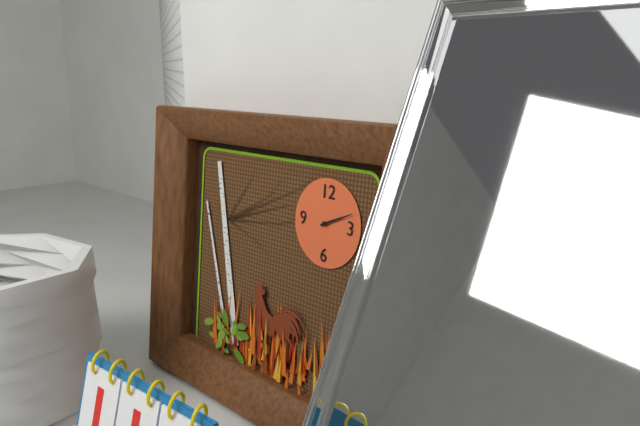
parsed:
2:11
